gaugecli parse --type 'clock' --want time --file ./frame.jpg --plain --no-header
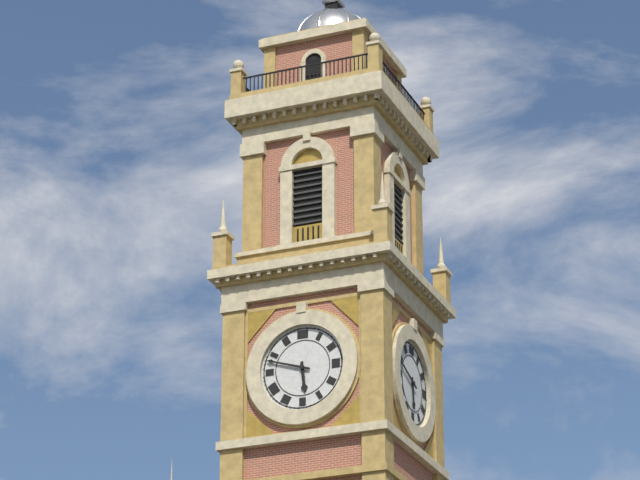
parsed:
5:48
